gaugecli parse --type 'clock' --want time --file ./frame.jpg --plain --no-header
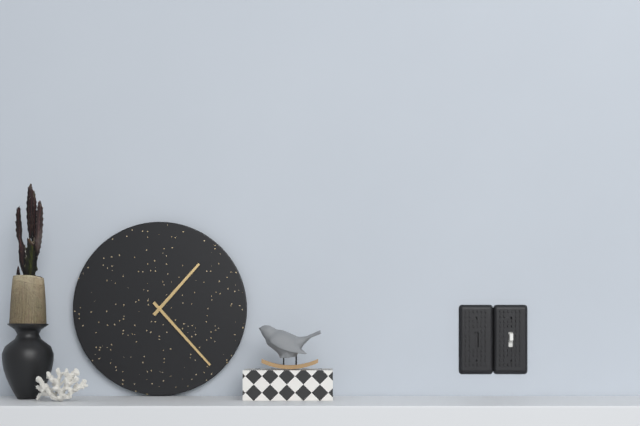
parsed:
1:23
